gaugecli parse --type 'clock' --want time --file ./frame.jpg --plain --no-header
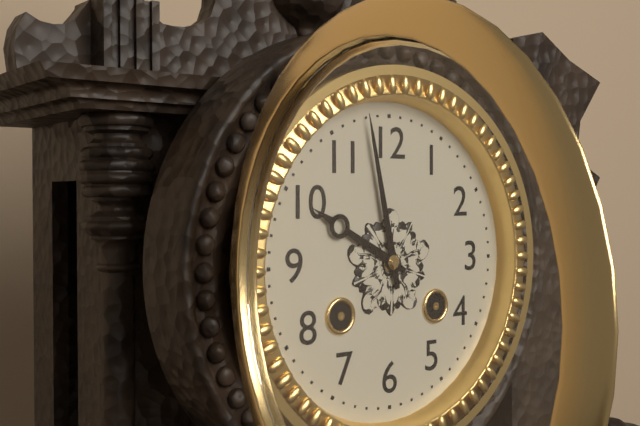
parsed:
9:58
